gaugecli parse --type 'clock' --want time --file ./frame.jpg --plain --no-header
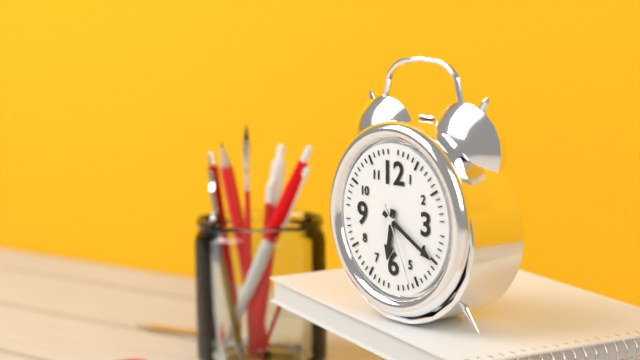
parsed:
6:20:26
